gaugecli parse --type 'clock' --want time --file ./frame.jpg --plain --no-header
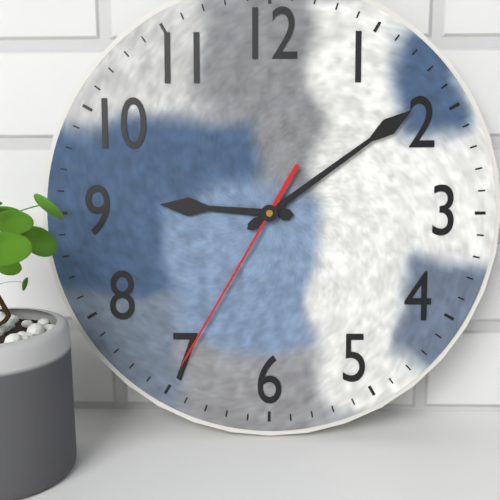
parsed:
9:09:35
